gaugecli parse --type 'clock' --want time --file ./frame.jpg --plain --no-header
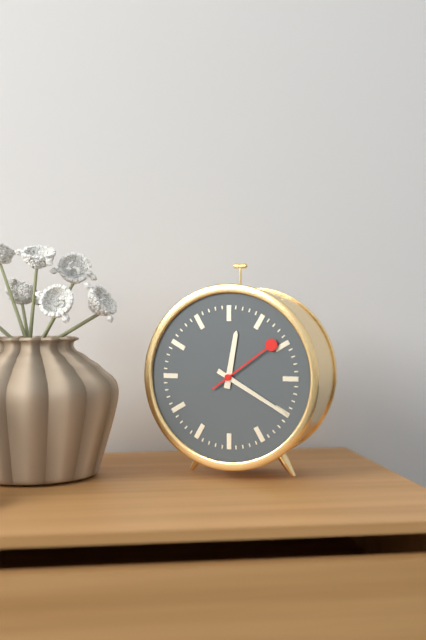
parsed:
12:20:09
